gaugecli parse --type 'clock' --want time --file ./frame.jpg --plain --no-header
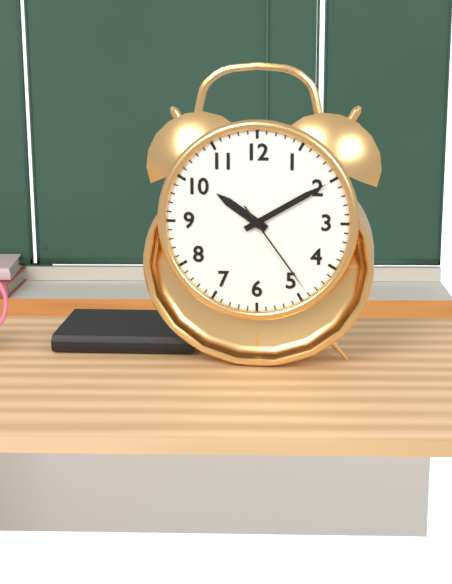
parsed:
10:10:24
